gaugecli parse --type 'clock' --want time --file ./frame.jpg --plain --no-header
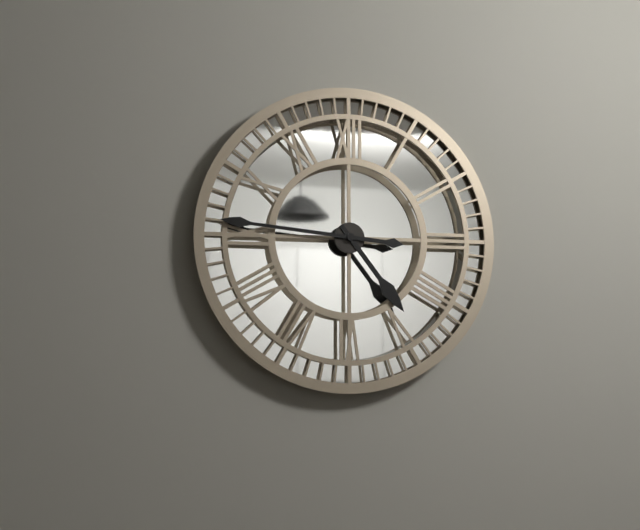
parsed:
4:46
